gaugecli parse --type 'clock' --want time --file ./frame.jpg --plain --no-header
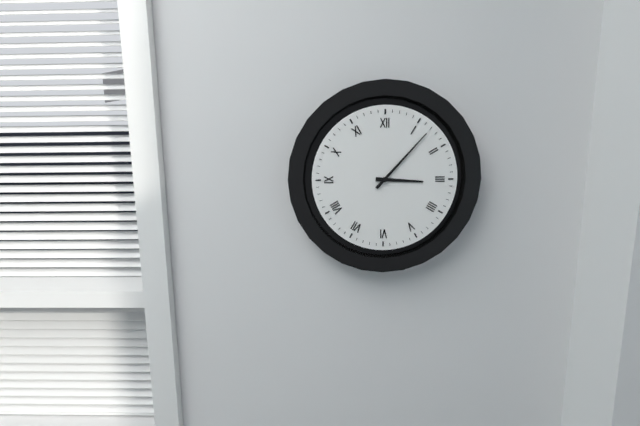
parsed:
3:07
